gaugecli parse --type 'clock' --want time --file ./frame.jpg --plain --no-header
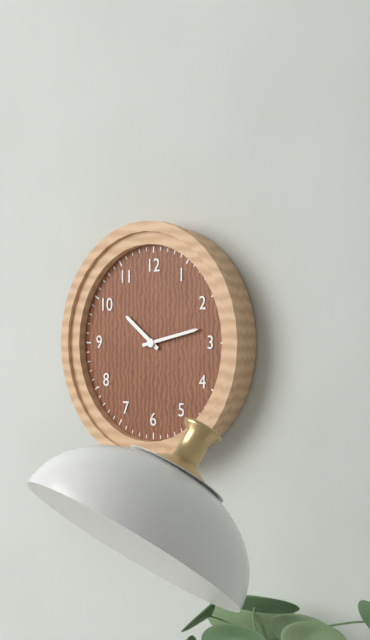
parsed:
10:13
